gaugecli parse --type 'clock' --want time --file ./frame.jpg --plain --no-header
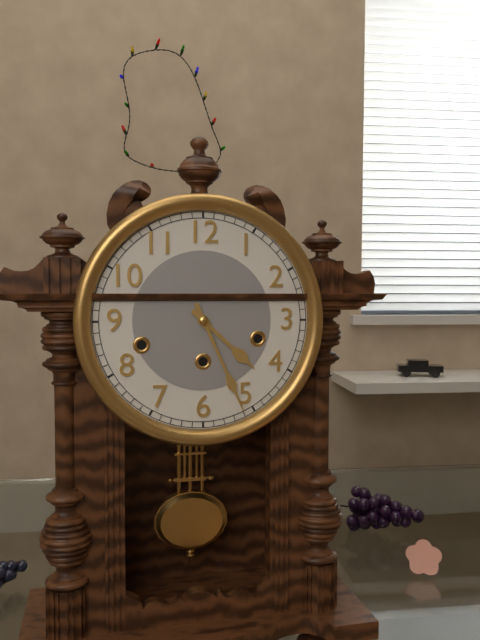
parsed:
4:26
